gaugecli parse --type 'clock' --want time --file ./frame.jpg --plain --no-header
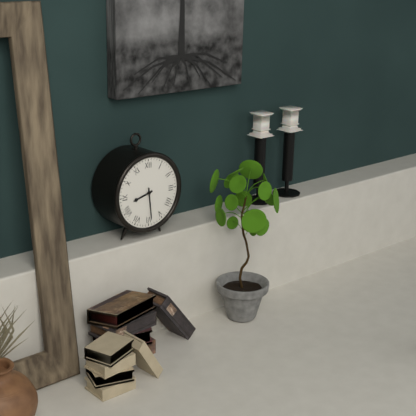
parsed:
8:29
